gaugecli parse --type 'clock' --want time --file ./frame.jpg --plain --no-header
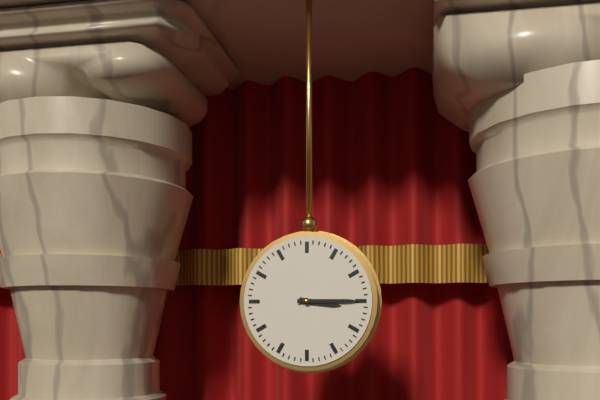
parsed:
3:15
